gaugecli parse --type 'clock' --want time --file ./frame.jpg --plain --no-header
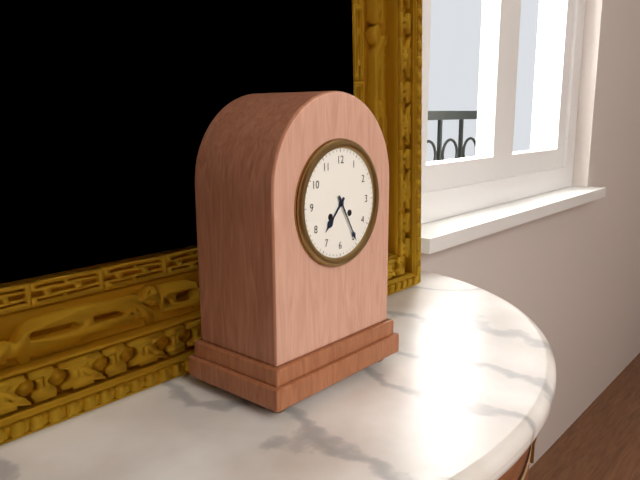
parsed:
7:25
